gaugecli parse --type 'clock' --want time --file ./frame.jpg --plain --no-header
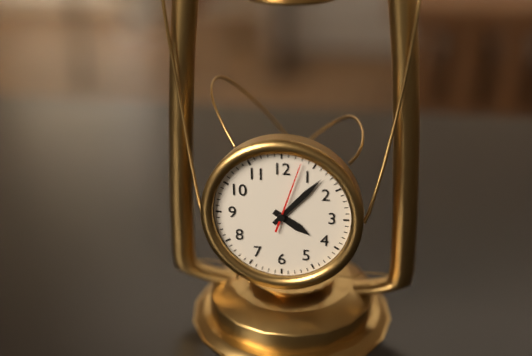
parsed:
4:07:03
